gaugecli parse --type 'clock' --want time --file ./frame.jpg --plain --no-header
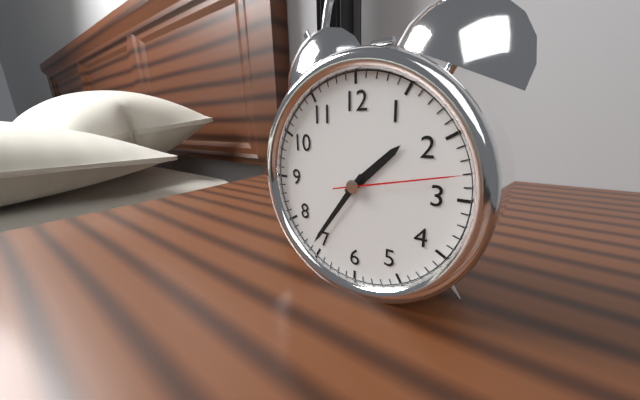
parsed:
1:36:13
